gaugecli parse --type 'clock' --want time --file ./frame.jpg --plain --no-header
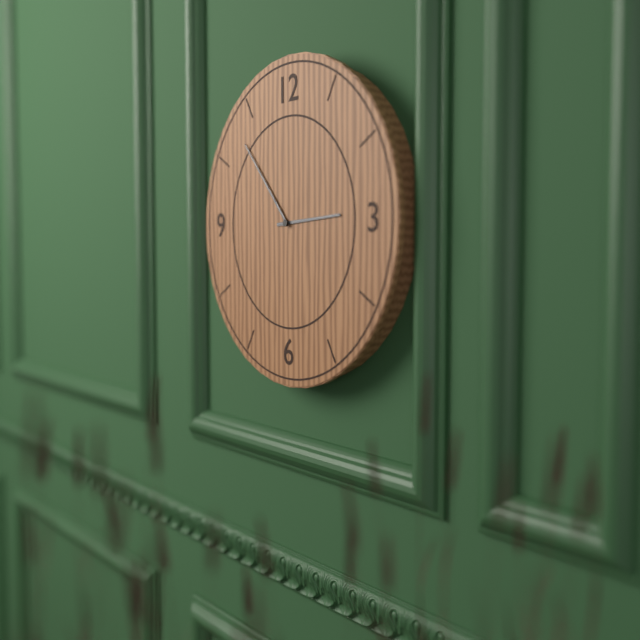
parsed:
2:53
